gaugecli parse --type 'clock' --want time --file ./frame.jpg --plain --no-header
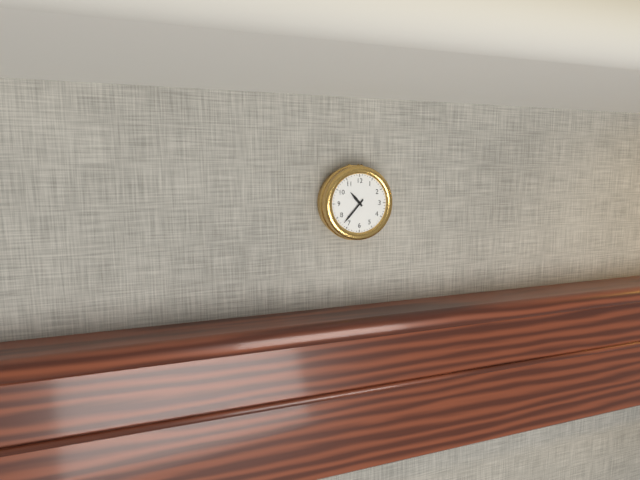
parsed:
10:37
